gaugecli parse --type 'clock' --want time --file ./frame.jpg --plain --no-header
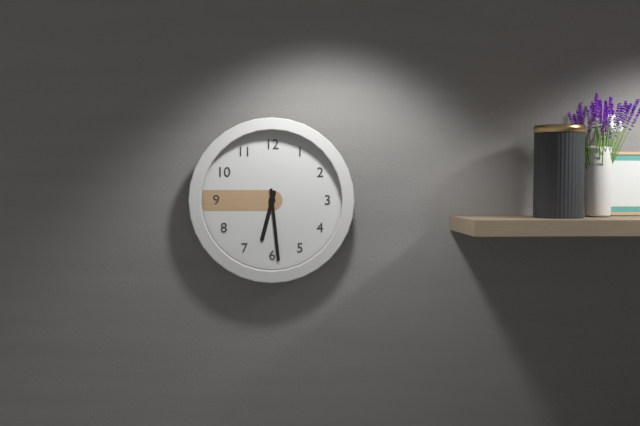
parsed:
6:29
